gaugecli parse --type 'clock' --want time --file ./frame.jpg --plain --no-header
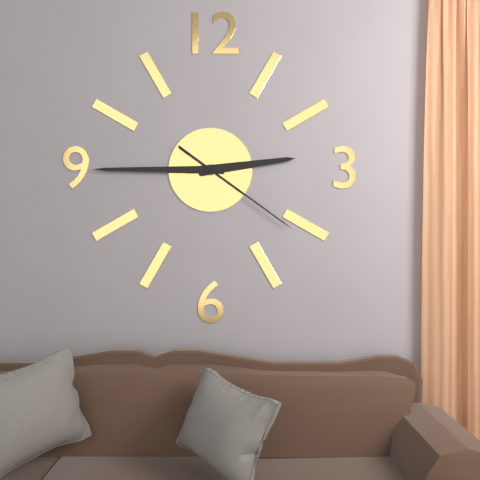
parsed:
2:45:21
